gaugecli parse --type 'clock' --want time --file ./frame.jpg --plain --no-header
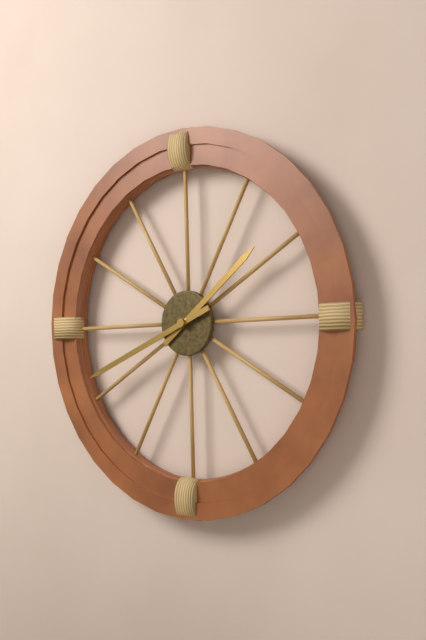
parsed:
1:41
